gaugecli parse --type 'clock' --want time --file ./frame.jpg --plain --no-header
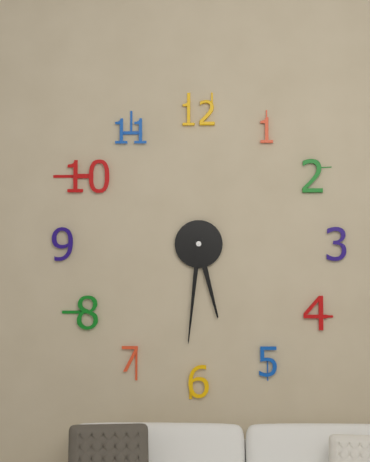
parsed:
5:31
